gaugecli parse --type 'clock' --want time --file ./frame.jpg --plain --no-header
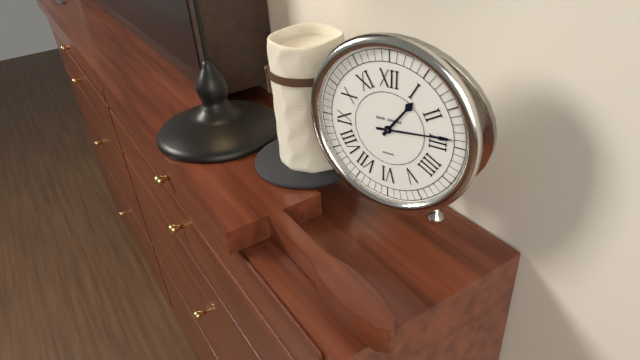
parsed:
1:14
